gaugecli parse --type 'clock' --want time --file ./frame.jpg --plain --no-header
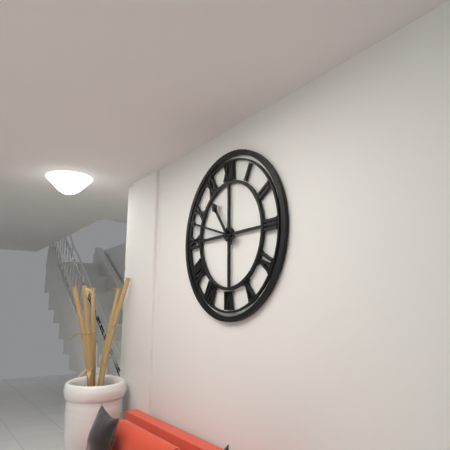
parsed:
10:48
